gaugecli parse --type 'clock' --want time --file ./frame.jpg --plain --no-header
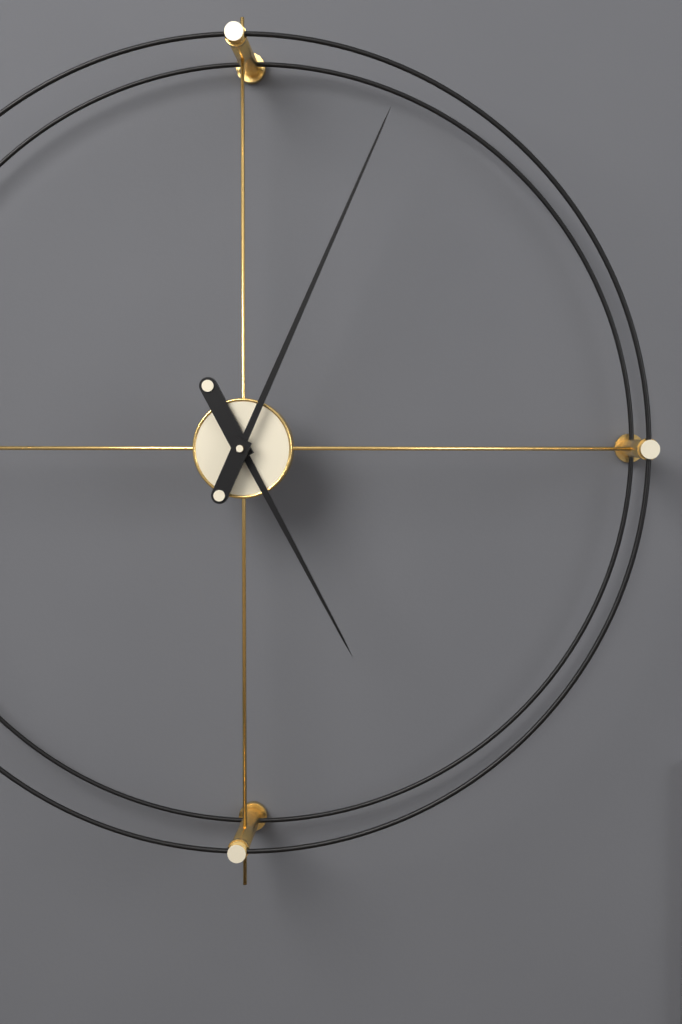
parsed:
5:04
